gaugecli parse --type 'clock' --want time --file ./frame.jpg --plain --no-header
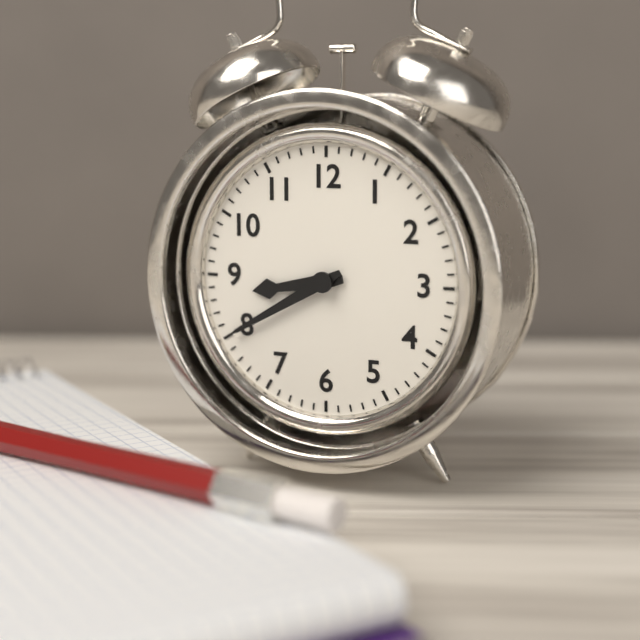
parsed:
8:40
